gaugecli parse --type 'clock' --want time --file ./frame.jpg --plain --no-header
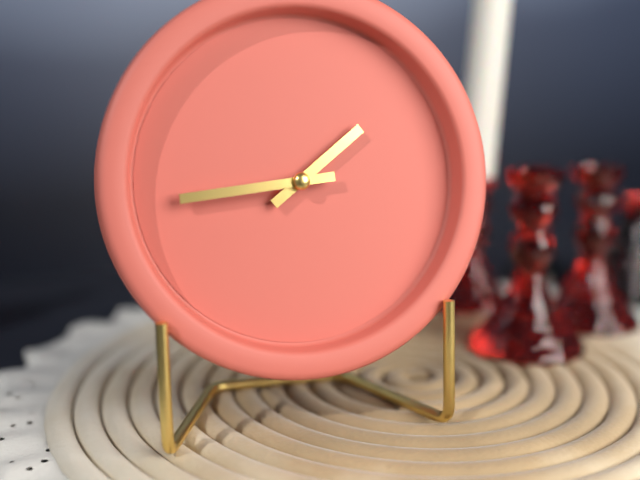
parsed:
1:44
